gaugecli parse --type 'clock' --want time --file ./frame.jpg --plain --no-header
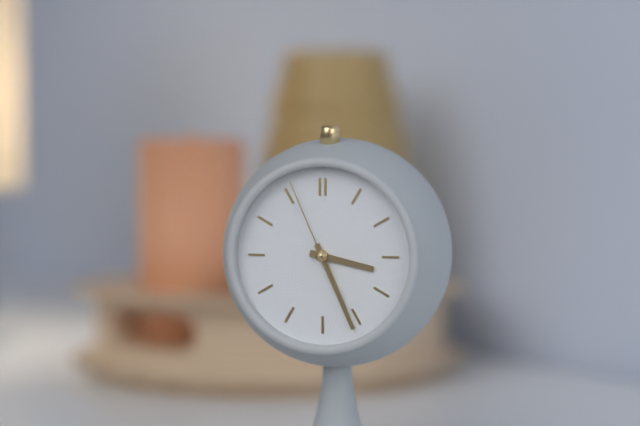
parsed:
3:26:56
